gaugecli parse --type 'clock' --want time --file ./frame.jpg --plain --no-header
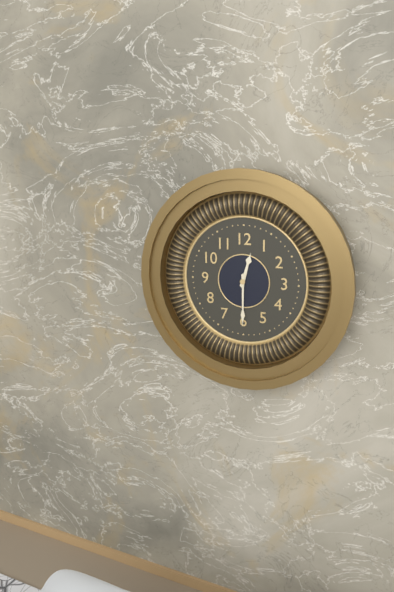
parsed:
12:30
